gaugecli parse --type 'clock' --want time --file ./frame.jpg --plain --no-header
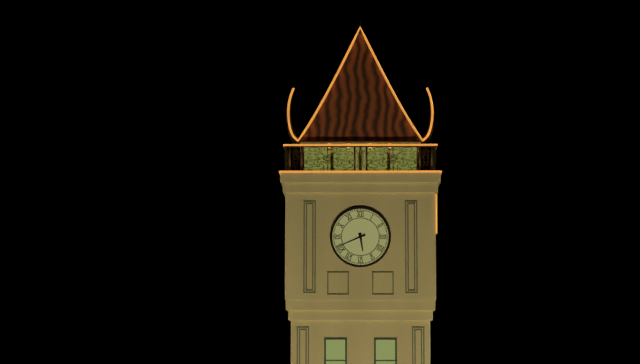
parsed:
5:41
